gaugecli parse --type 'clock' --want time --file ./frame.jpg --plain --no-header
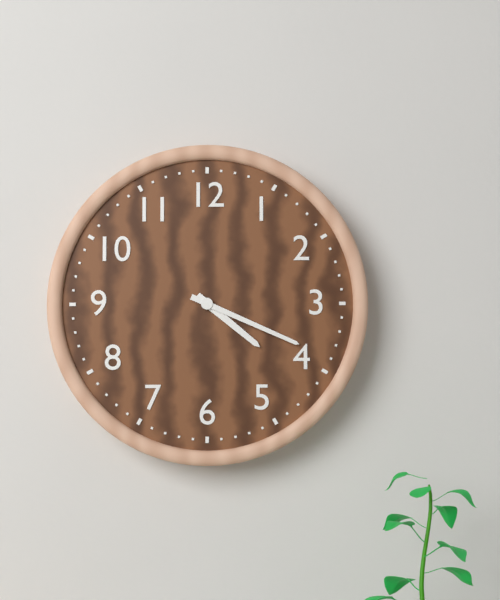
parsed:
4:19
